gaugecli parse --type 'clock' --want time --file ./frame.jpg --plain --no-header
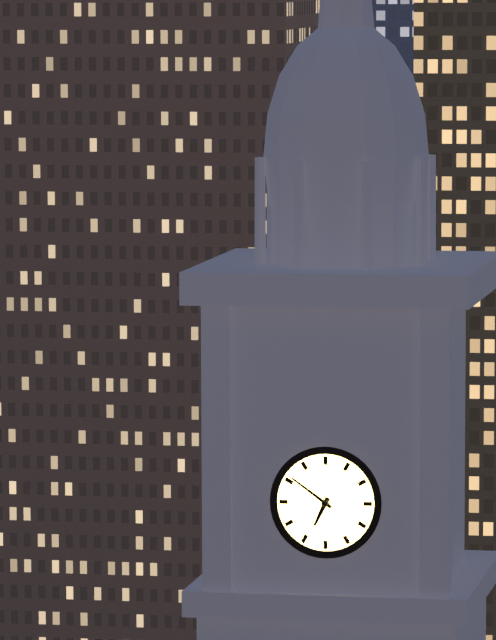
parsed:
6:51
